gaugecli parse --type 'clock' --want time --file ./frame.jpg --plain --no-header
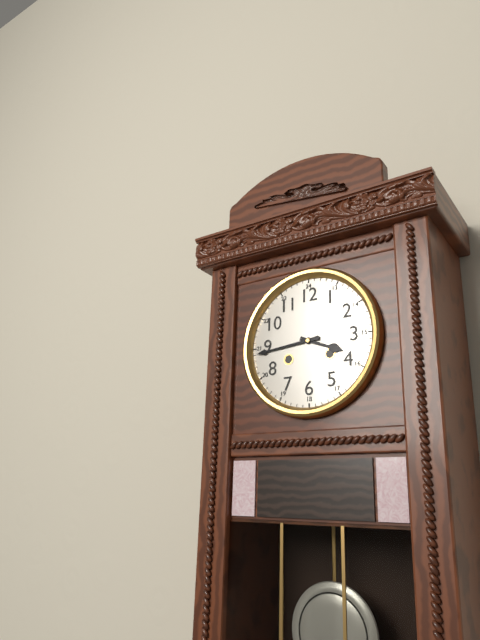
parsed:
3:44
